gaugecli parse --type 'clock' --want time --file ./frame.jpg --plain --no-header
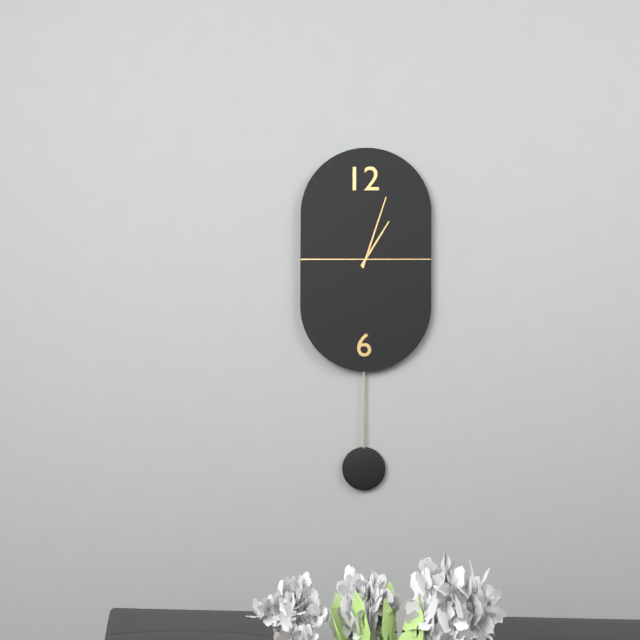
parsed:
1:03
